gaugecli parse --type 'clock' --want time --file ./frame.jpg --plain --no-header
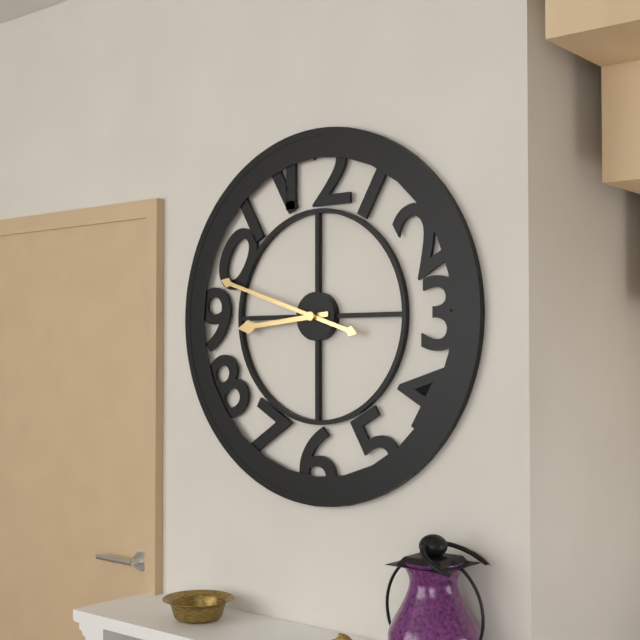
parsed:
8:48
